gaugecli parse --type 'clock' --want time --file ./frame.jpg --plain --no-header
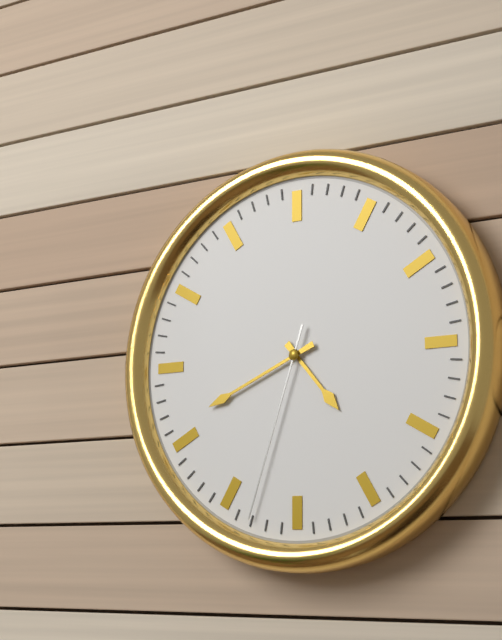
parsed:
4:41:33
